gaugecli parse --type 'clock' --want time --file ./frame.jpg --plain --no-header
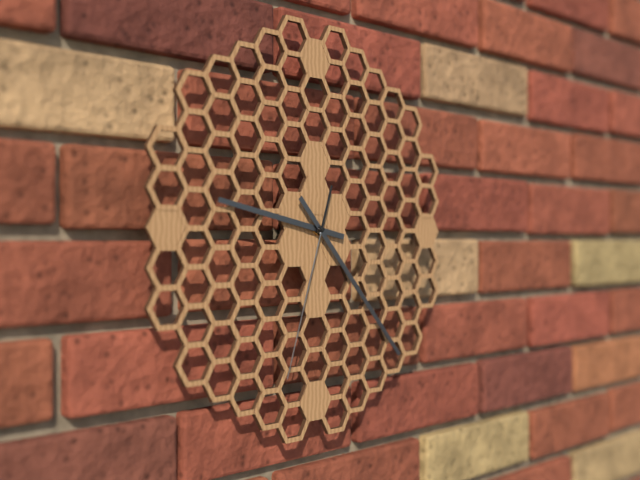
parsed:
9:23:33
